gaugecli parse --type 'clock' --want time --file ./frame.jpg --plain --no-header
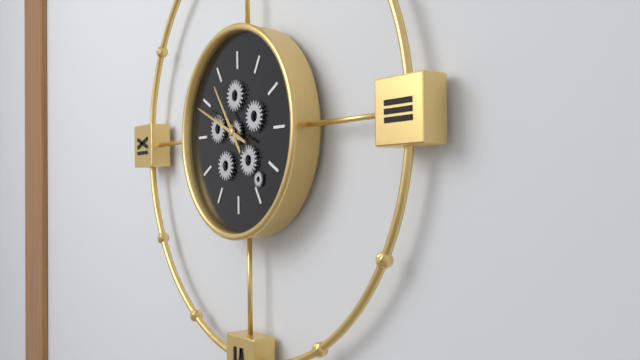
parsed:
10:49
